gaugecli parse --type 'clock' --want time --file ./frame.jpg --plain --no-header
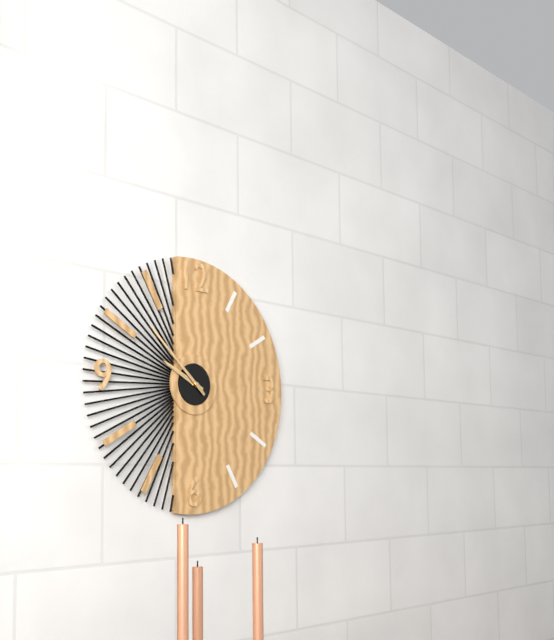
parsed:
9:52
